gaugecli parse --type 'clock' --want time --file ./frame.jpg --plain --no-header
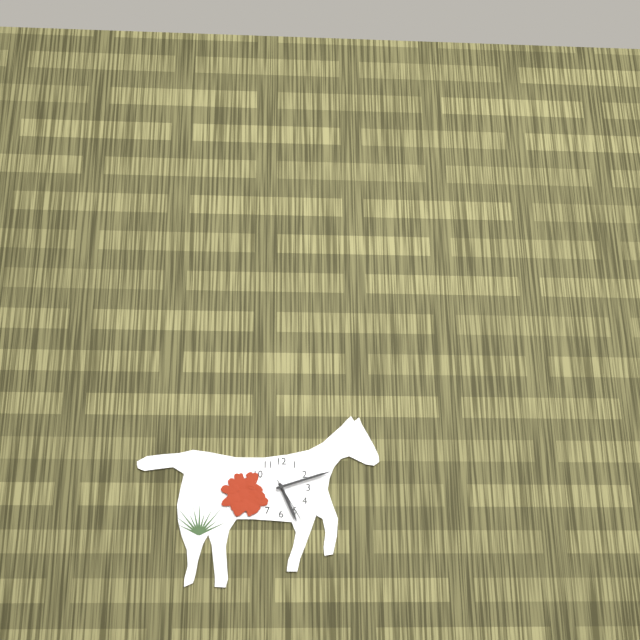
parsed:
5:12:25
